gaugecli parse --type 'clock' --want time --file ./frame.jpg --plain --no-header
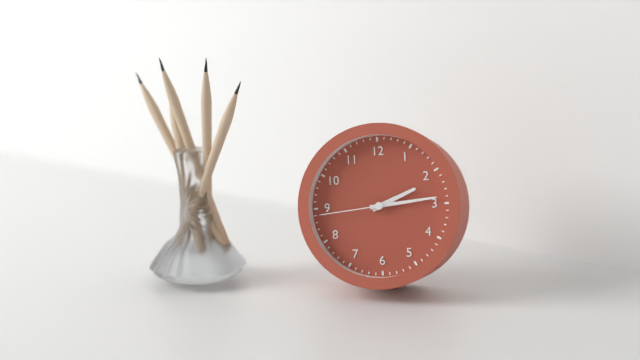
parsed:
2:14:44
